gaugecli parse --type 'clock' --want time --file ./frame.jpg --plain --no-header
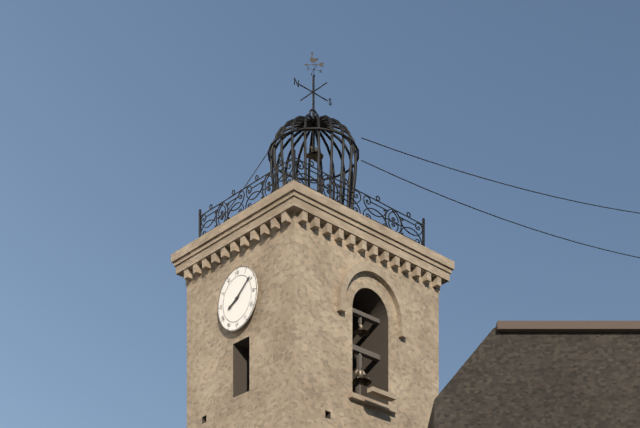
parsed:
8:09
